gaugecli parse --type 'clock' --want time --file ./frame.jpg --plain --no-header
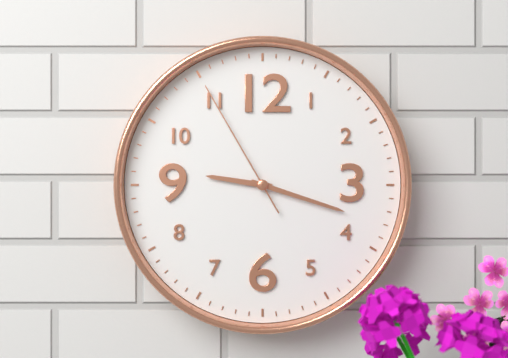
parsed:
9:18:55
